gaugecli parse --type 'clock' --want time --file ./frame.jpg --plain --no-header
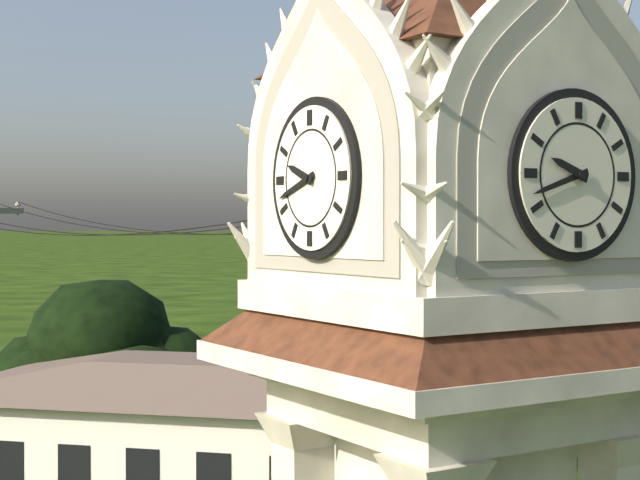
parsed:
9:42
